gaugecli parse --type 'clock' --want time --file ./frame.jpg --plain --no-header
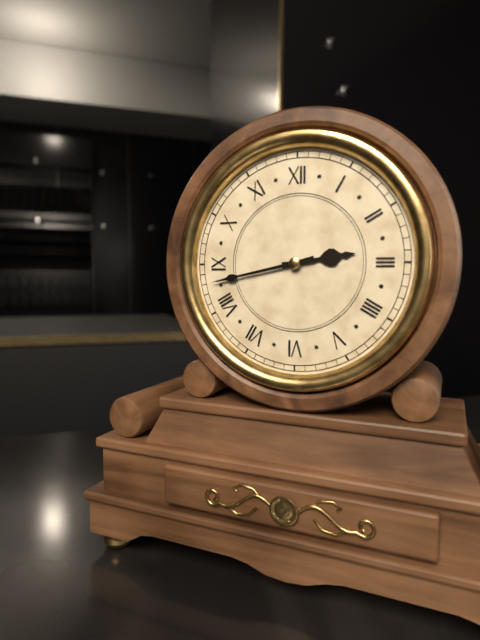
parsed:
2:43
